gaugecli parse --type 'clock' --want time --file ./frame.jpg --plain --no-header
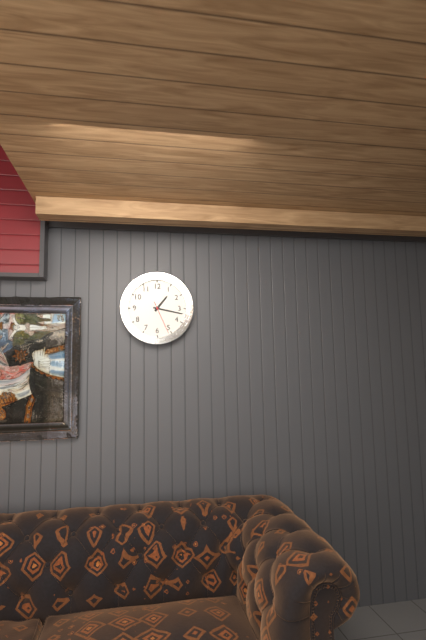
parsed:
1:17
